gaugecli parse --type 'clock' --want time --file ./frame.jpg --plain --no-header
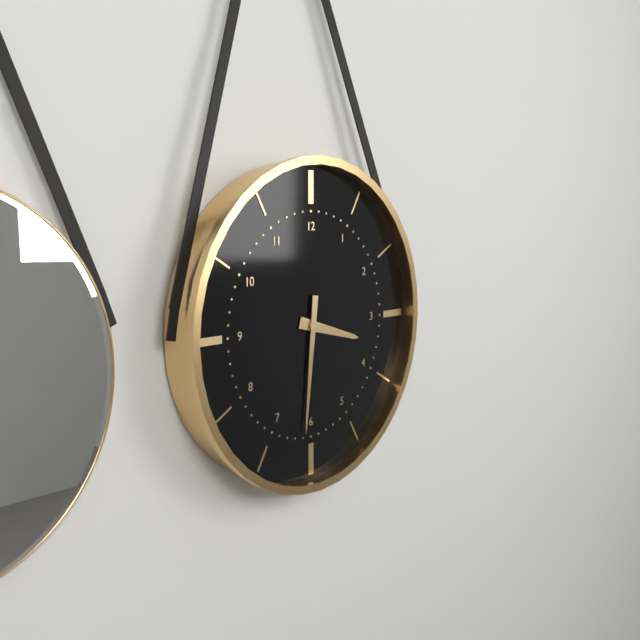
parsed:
3:31
